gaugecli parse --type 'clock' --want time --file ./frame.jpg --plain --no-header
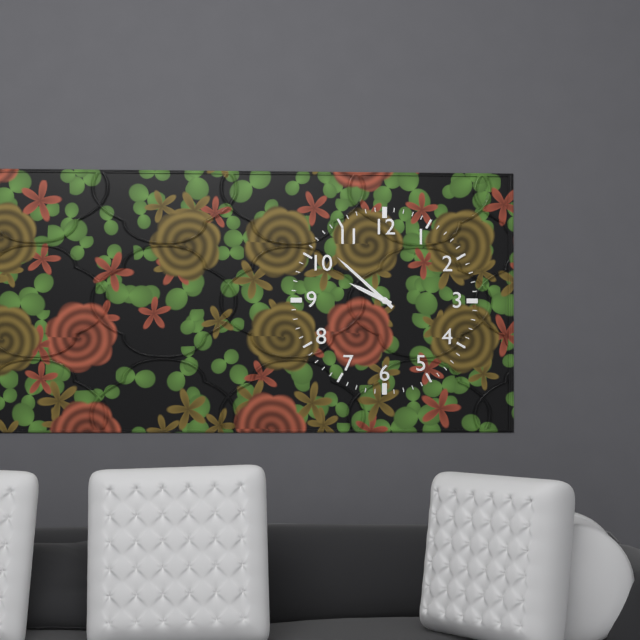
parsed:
9:52
